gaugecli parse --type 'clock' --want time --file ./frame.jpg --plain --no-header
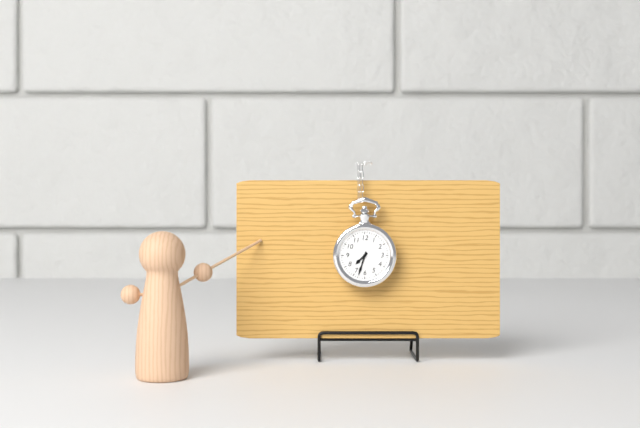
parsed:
7:33
